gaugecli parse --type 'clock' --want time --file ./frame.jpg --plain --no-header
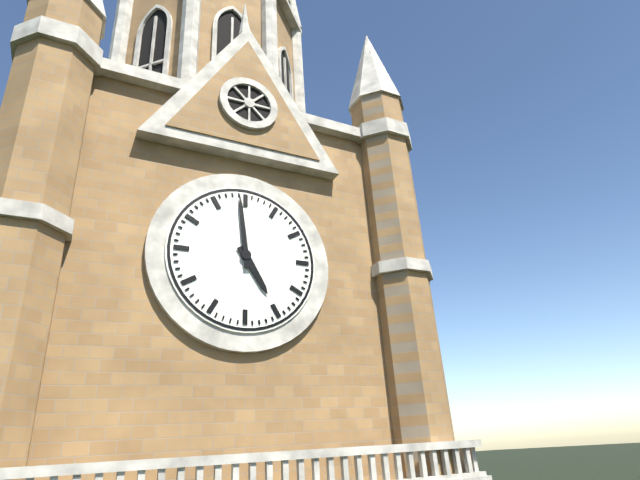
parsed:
4:59
